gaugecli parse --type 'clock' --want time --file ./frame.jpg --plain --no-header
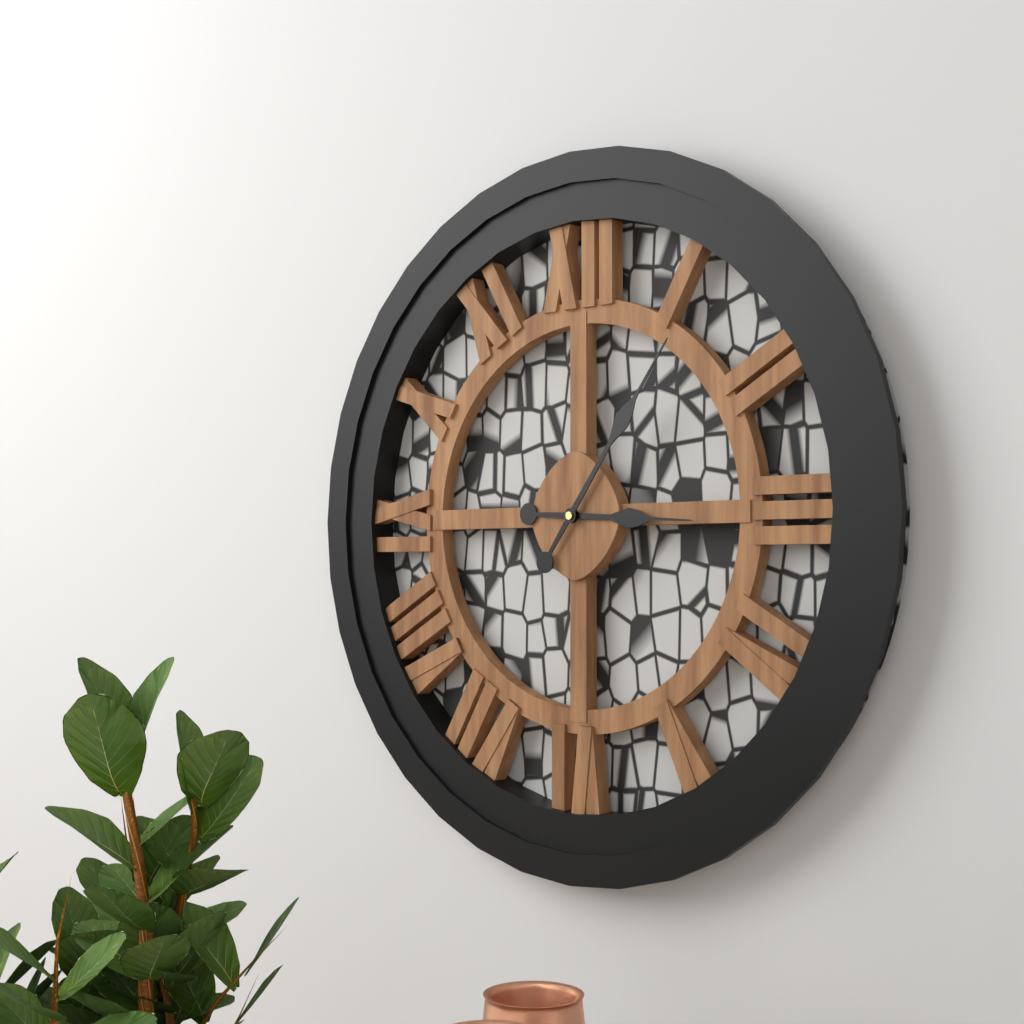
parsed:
3:06
